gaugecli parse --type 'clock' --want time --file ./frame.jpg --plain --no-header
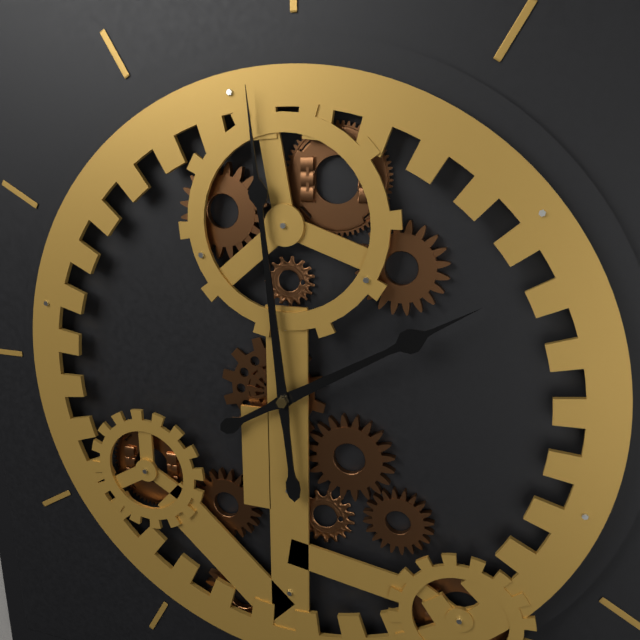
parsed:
1:59
